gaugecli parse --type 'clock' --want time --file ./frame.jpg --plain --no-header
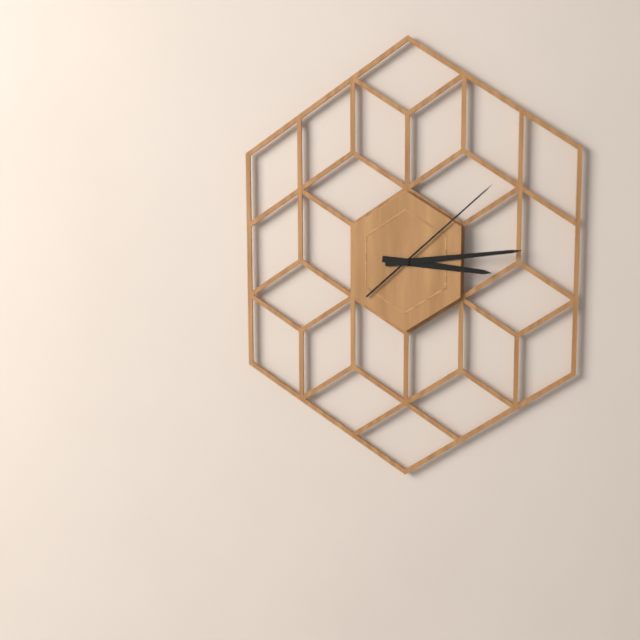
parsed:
3:14:08
